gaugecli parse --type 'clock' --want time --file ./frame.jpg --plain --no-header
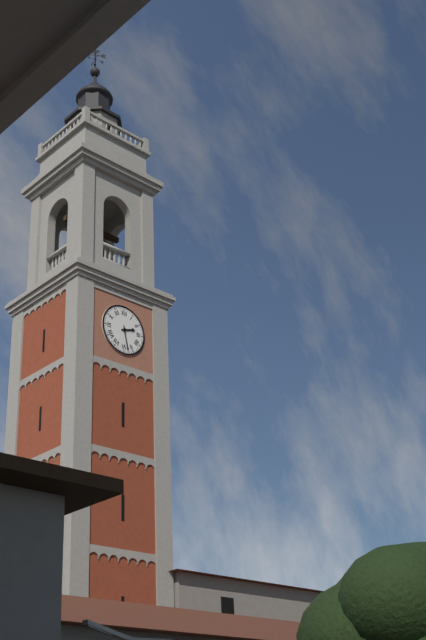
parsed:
2:28
